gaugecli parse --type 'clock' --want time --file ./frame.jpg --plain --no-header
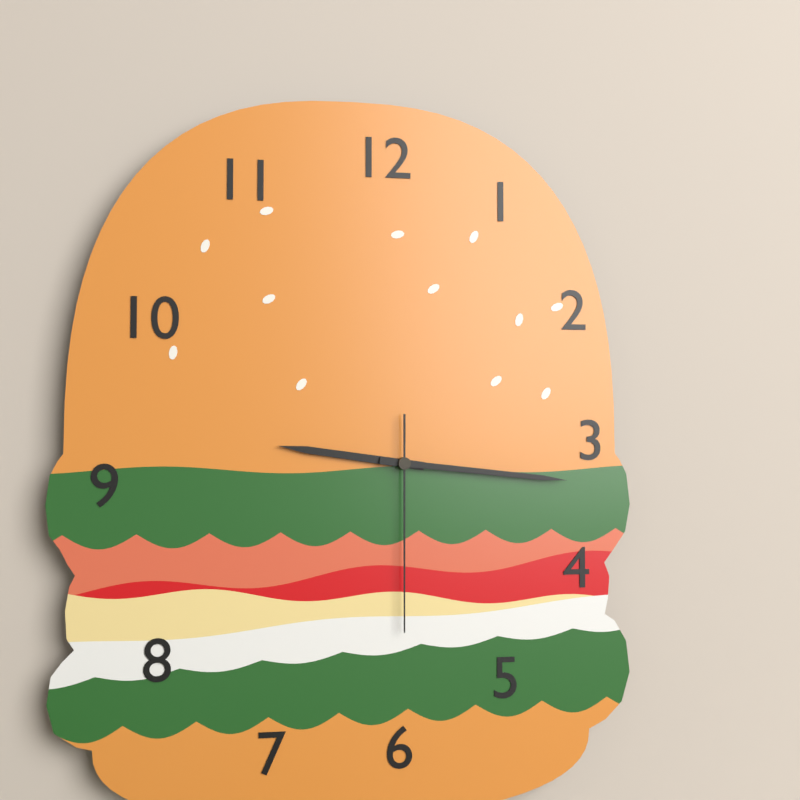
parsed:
9:16:30
